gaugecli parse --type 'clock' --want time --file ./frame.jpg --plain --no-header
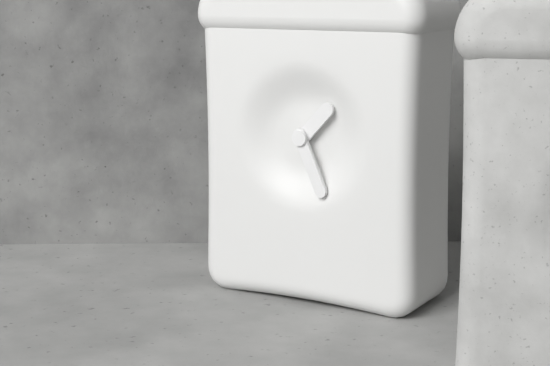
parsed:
1:26
